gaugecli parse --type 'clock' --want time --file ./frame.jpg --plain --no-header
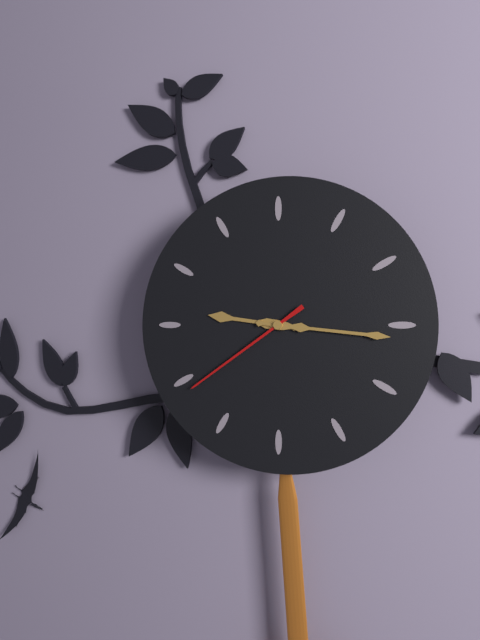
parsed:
9:16:39
